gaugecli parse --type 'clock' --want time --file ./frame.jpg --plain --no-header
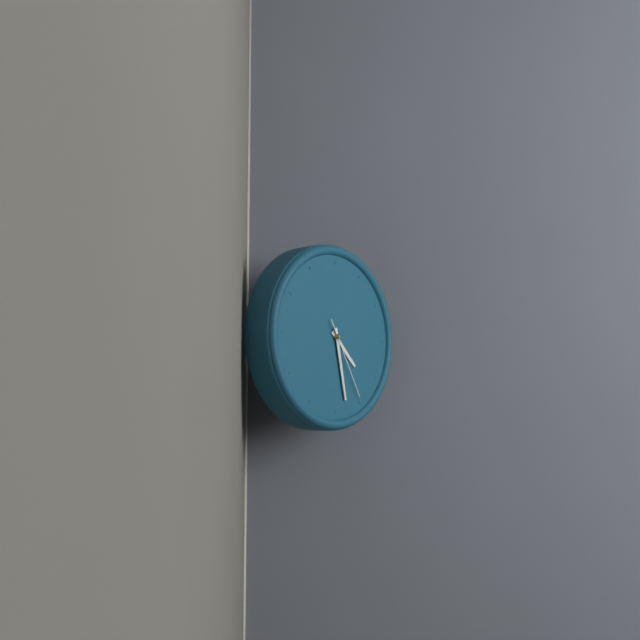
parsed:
4:28:25
